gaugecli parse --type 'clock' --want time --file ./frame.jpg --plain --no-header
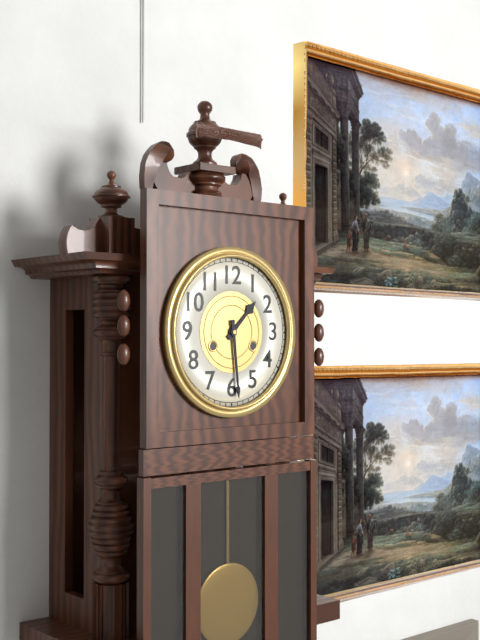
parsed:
1:29
